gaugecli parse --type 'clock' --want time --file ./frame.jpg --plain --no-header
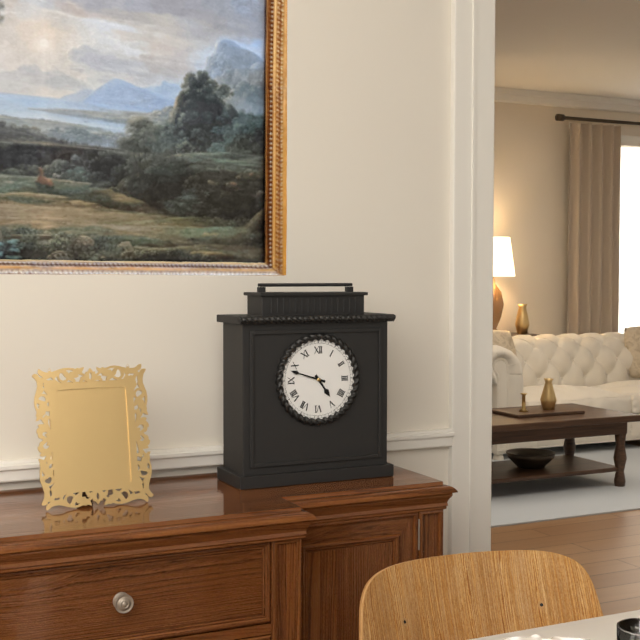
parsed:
4:48
